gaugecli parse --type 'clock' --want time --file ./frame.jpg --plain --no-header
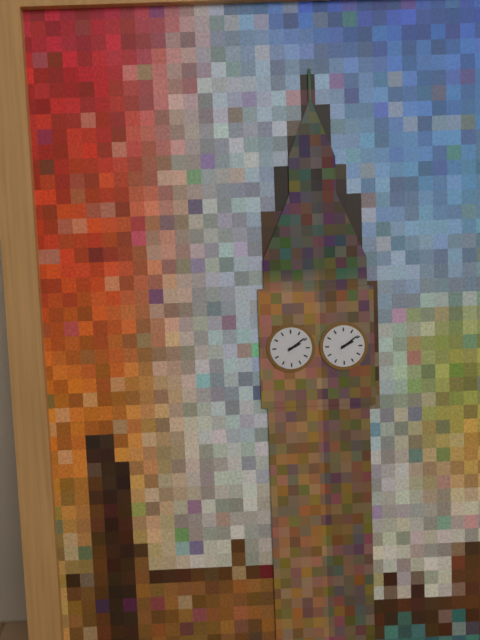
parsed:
2:09
